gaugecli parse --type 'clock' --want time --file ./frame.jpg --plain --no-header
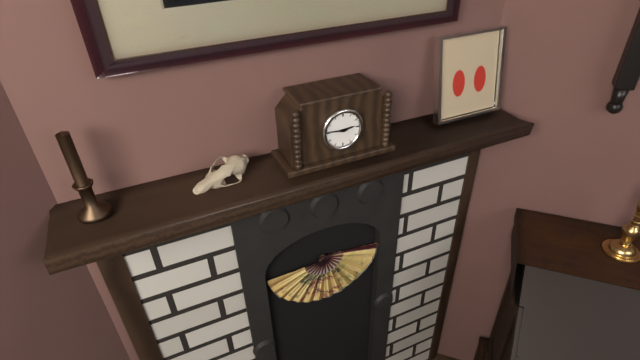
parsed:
2:46
